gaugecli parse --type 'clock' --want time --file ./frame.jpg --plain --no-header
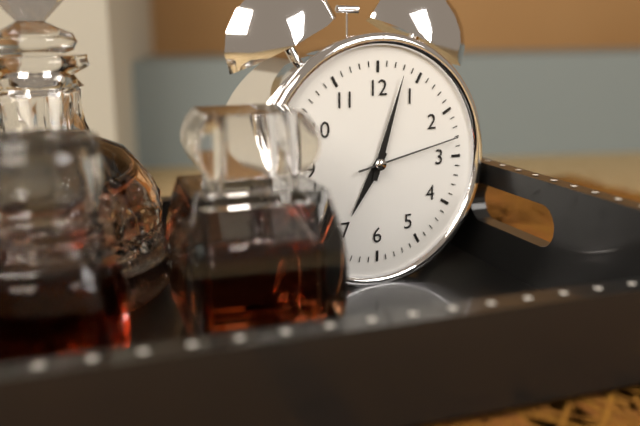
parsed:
7:03:13
